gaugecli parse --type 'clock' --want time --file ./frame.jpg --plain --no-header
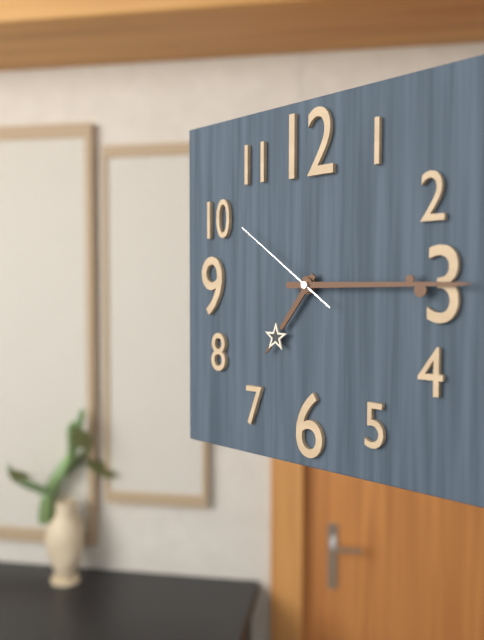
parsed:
7:15:51
